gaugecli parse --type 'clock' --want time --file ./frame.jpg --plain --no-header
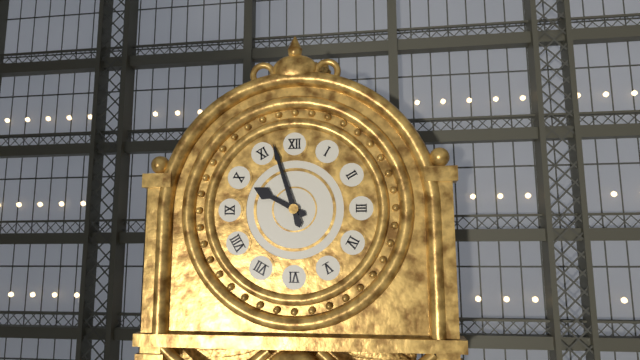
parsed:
9:57
